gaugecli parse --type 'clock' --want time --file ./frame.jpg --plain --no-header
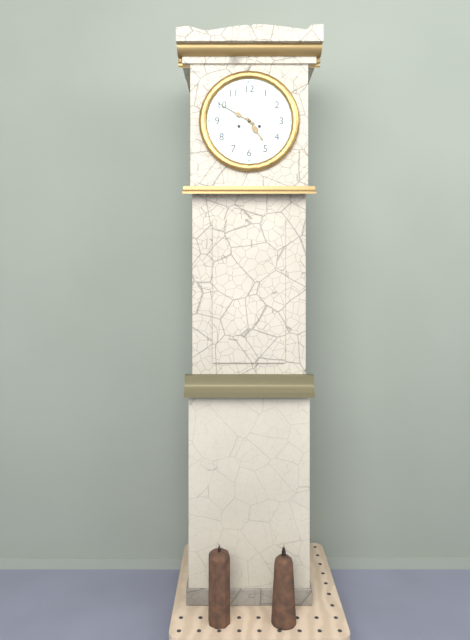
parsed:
4:50
